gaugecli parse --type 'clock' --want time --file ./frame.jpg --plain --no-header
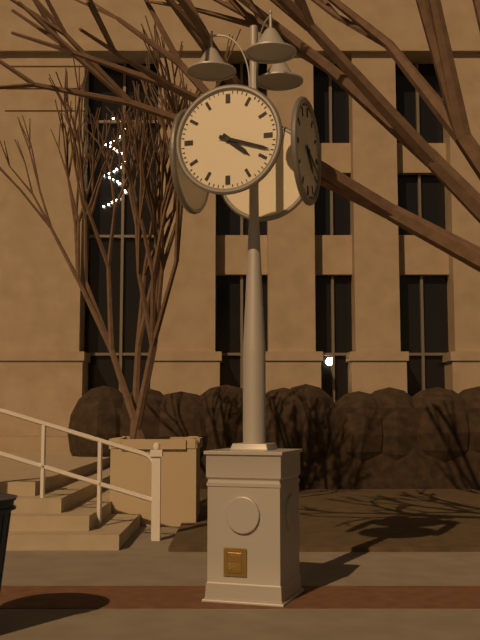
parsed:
4:18
